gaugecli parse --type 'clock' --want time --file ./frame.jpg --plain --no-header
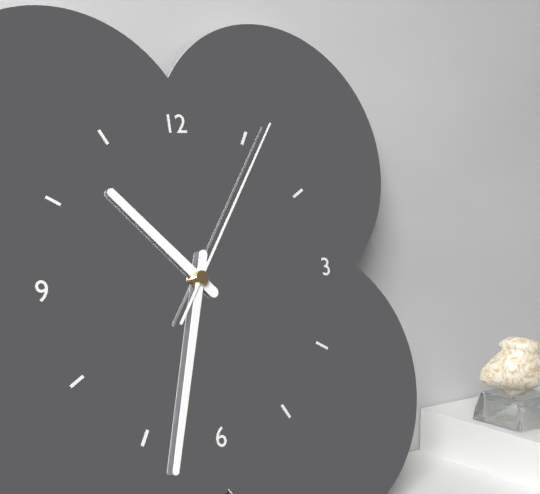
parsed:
10:33:06
